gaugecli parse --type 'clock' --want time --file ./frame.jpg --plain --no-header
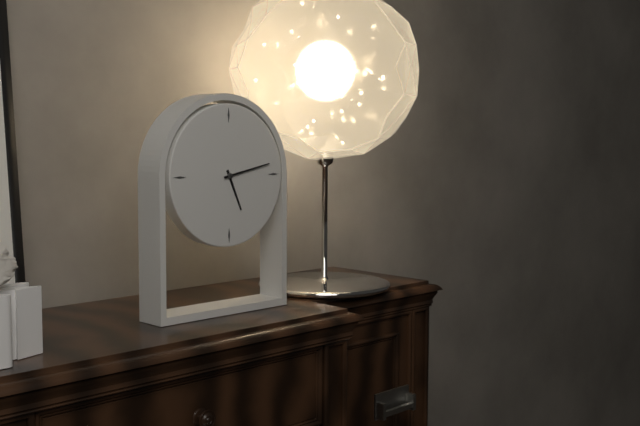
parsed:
5:13
